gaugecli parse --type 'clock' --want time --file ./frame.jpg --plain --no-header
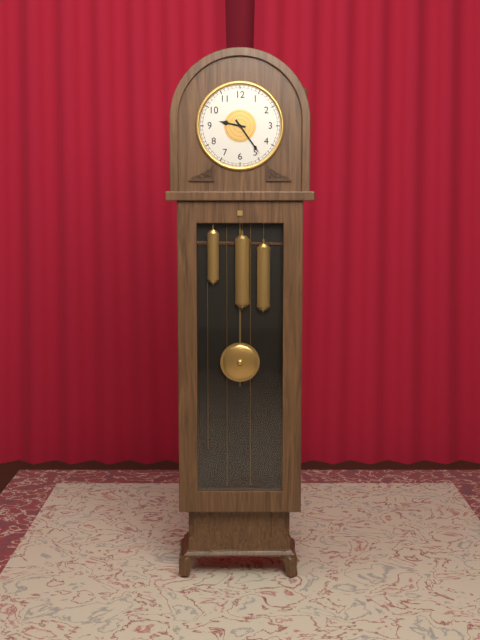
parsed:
9:24
